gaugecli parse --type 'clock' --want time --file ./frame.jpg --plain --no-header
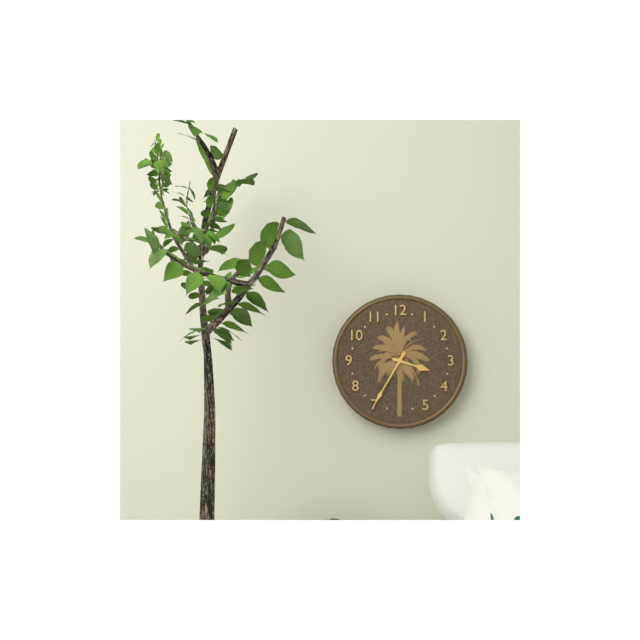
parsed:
3:35
